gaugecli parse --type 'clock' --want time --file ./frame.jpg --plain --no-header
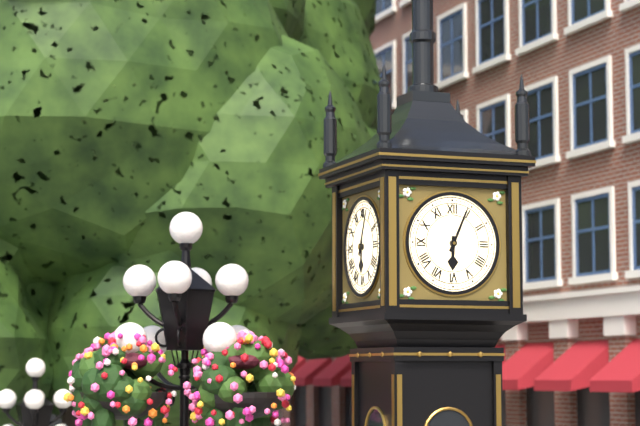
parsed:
6:04
